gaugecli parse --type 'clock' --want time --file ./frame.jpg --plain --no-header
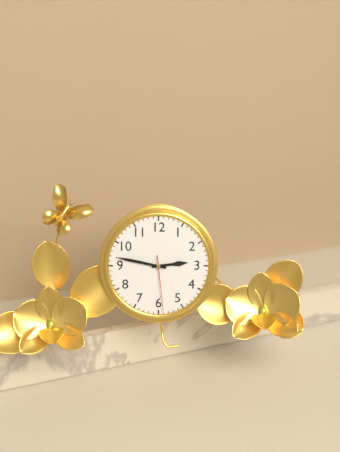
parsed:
2:47:29
